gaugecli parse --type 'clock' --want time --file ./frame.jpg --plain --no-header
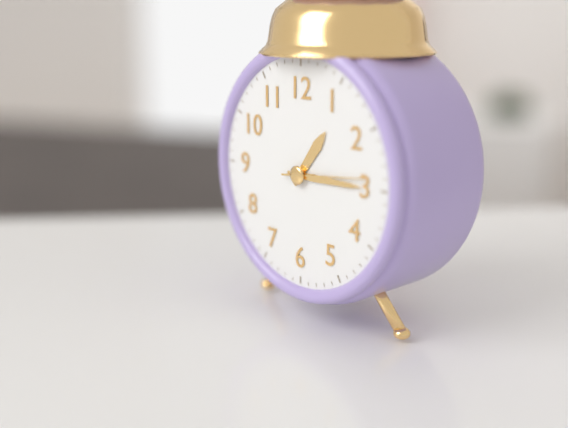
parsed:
1:15:14
